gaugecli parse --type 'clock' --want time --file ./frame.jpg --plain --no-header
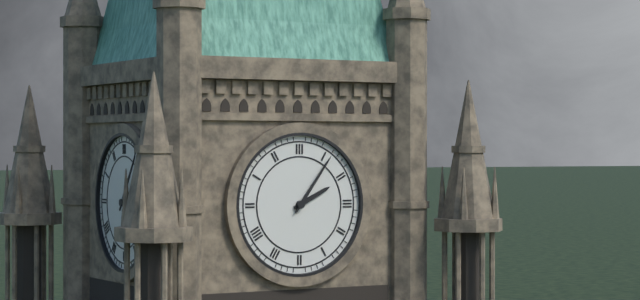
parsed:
2:06
